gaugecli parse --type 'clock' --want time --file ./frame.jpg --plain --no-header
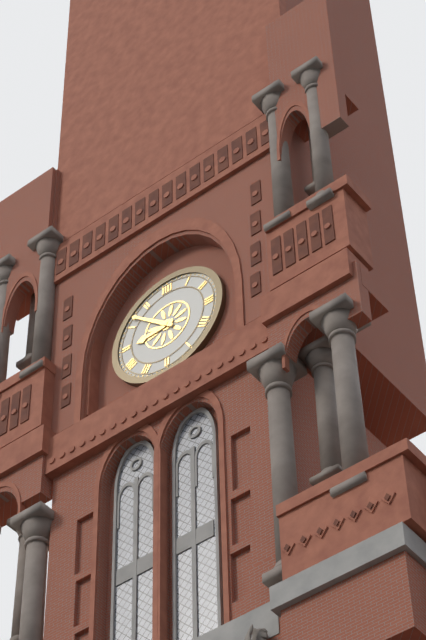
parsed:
8:52
